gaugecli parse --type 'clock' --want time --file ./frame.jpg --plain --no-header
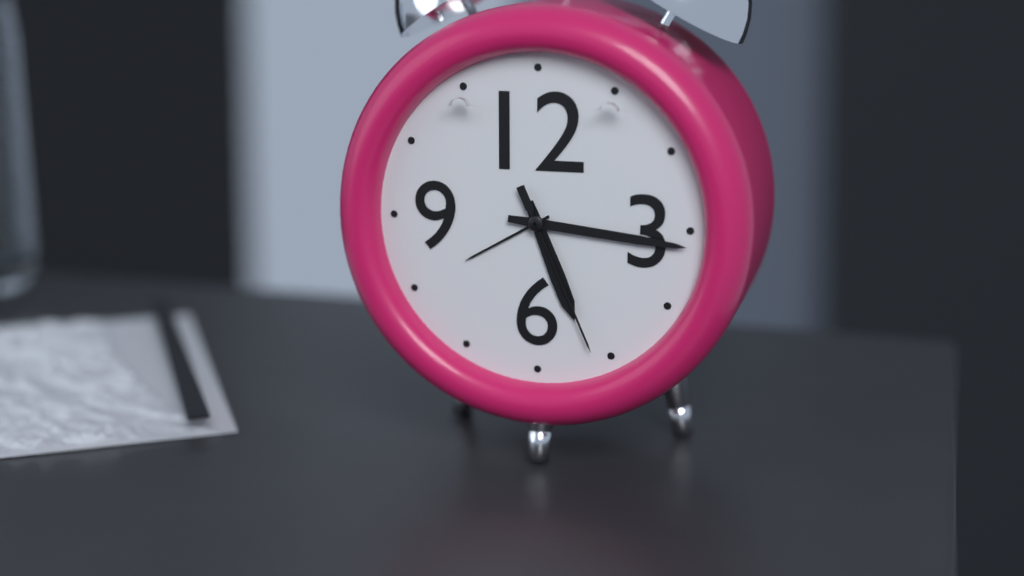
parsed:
5:16:26
